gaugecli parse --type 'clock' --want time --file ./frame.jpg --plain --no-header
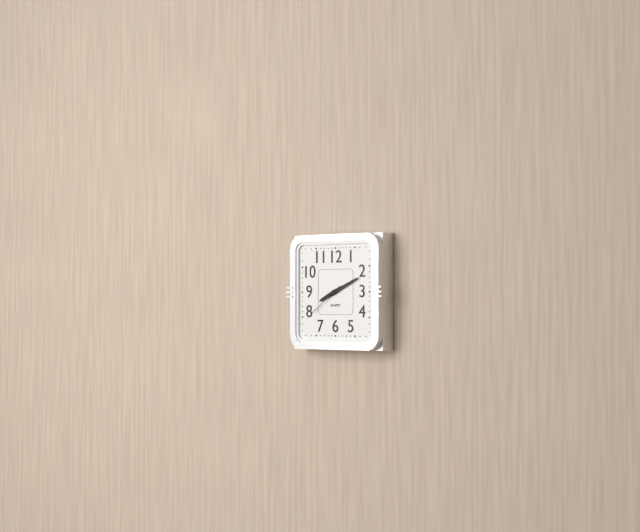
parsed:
8:11:39
